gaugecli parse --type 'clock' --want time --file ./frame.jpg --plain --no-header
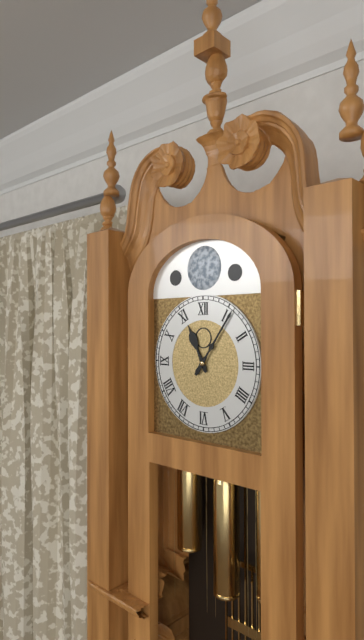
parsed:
11:06
